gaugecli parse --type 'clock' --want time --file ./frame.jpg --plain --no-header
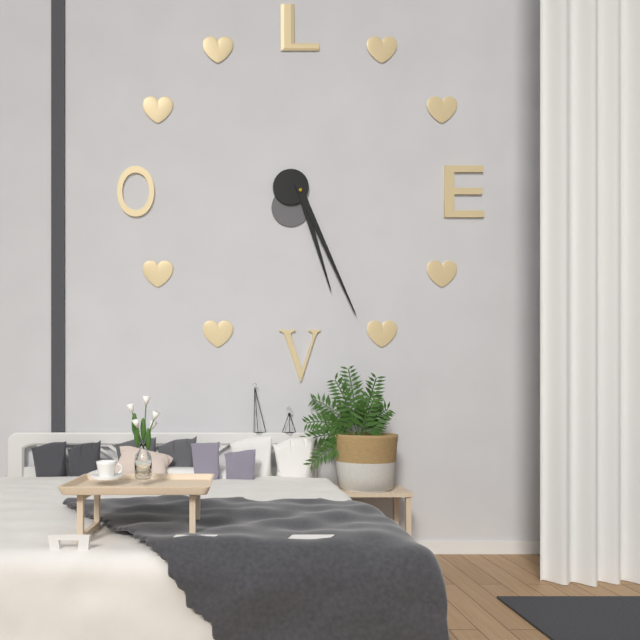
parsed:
5:26
